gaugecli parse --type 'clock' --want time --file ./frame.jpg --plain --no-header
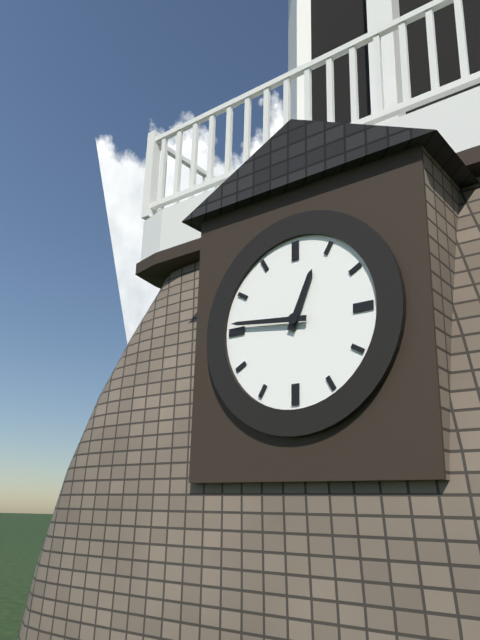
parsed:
12:46
